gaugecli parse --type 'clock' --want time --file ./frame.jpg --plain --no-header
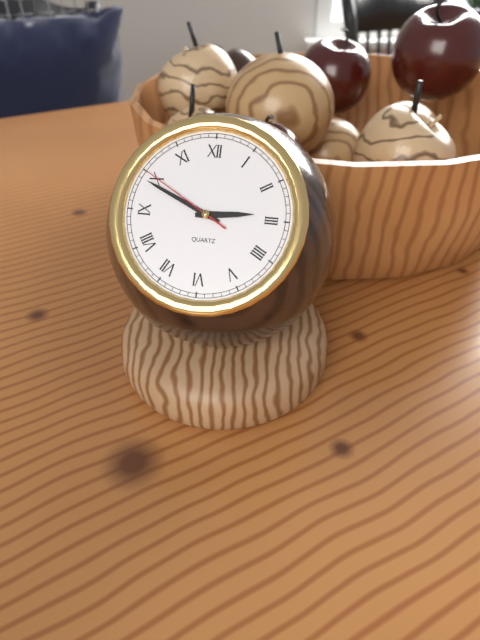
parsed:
2:49:50
